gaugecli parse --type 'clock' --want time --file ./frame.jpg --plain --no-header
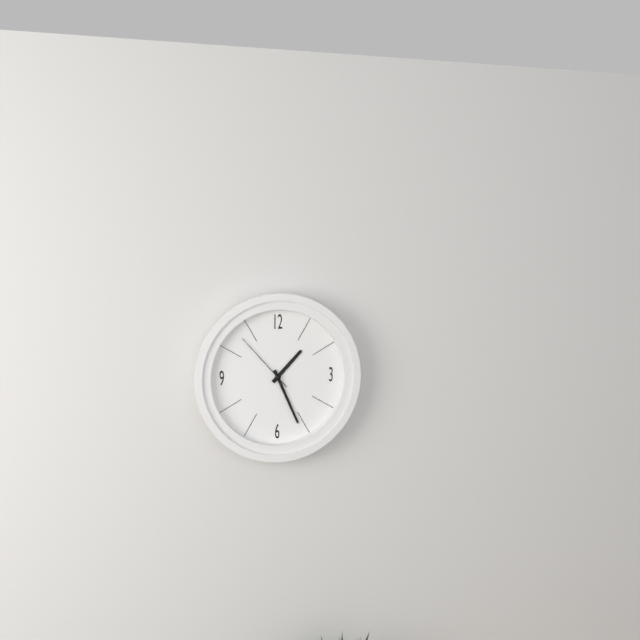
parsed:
1:26:53
